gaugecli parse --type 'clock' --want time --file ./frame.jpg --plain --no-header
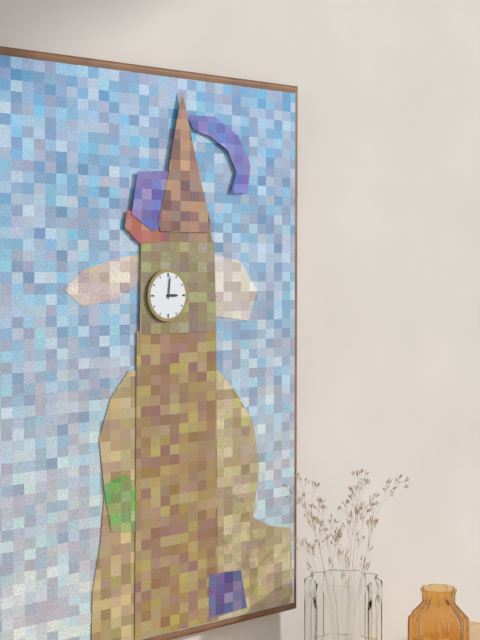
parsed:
3:01
